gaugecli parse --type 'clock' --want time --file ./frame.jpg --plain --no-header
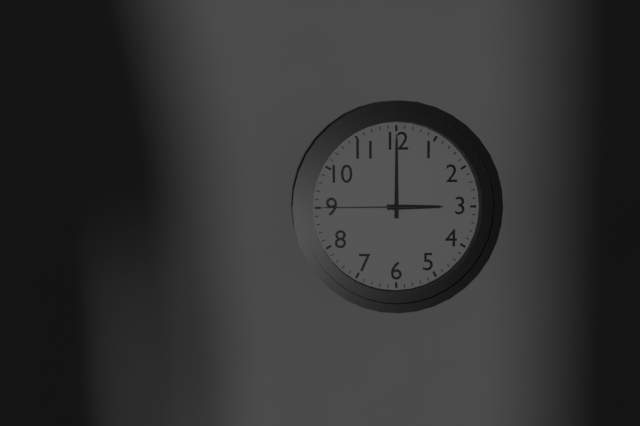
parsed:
3:00:45
